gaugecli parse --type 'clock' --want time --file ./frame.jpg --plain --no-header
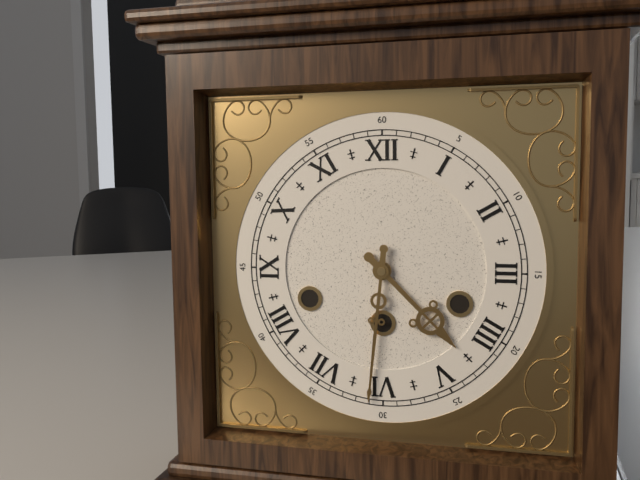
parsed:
4:31
